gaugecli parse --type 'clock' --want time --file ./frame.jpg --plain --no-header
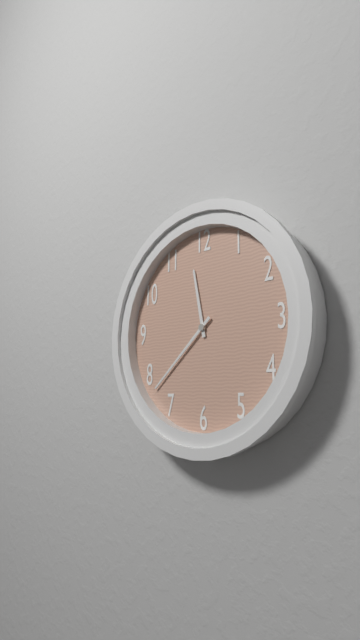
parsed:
11:38
